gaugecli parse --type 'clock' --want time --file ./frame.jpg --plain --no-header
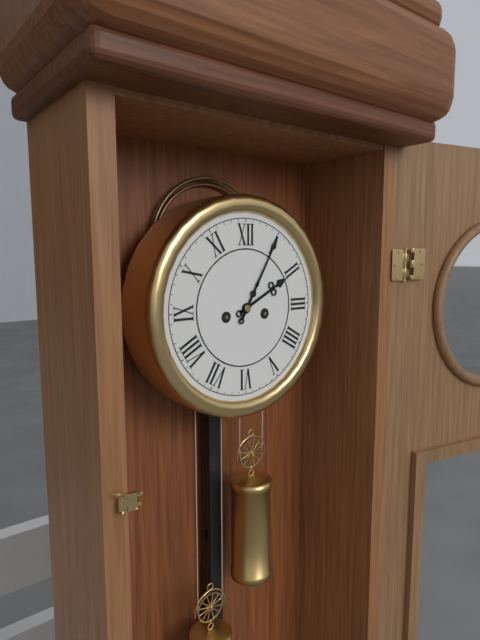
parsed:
2:05
